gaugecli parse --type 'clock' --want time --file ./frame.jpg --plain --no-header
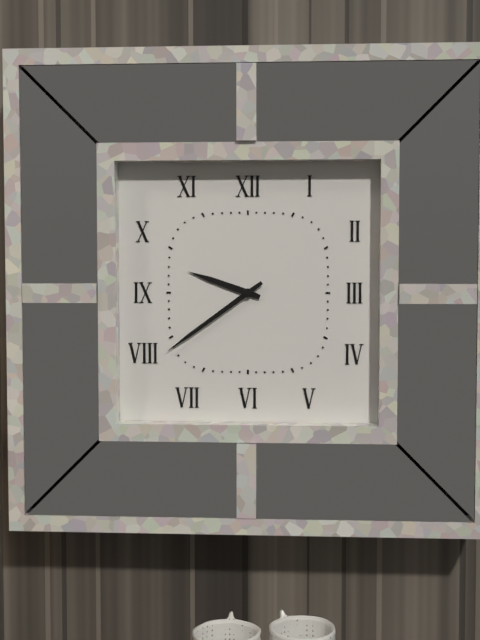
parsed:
9:39
